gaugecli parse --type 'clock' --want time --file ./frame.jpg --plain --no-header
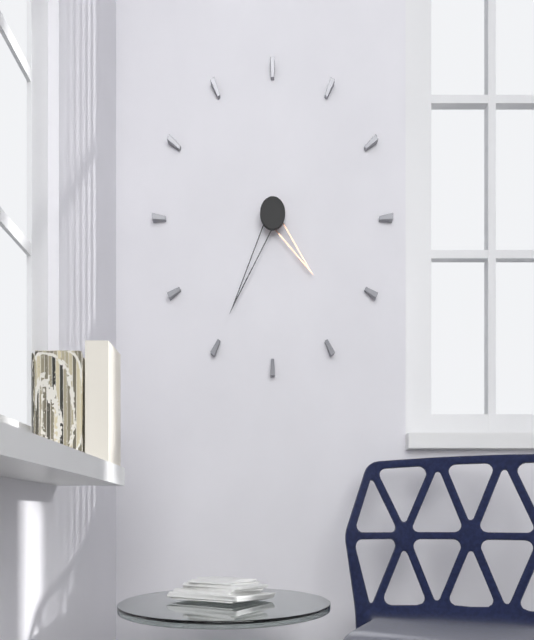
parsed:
4:35
